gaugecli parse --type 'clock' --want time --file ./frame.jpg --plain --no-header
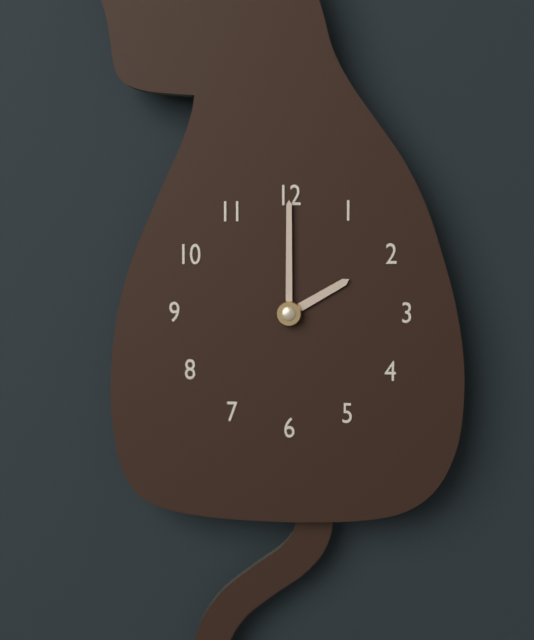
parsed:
2:00
